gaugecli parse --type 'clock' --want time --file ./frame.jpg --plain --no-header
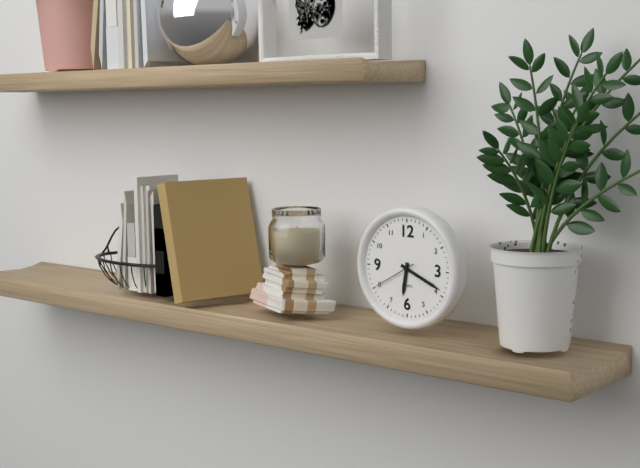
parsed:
6:19:40
